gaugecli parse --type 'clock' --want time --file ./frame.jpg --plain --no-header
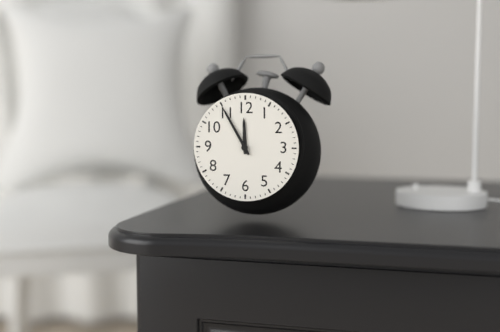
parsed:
11:55
